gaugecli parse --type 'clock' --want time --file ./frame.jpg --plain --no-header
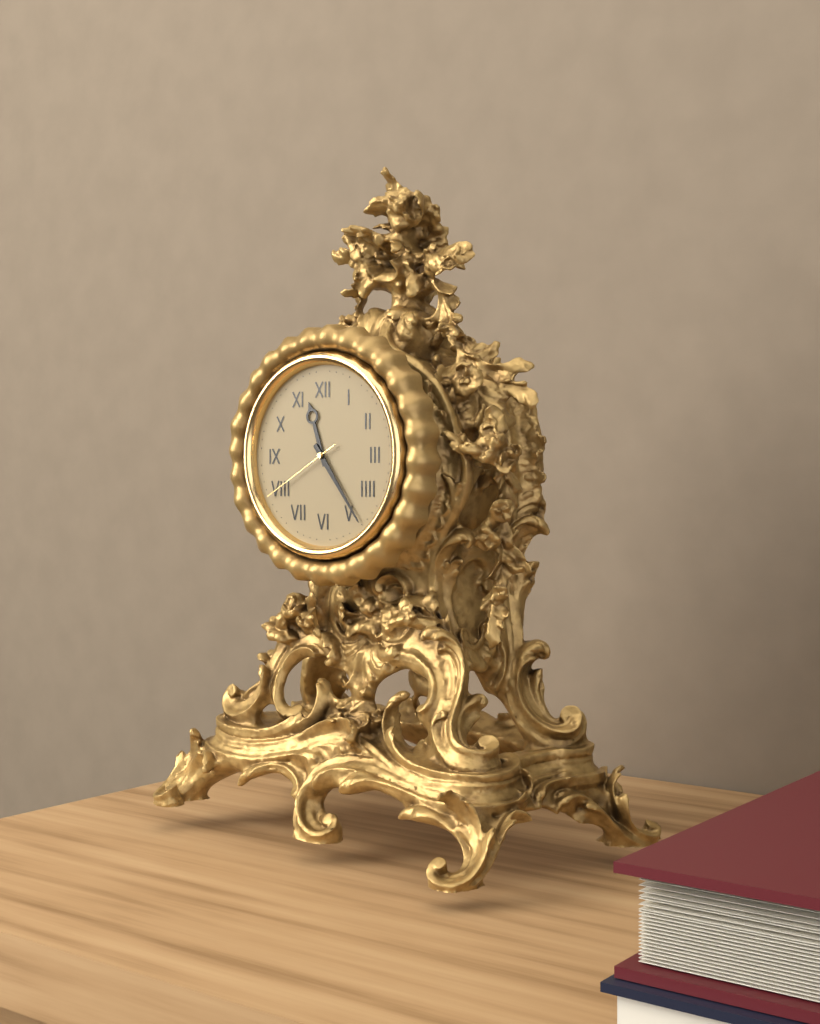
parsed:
11:24:40
